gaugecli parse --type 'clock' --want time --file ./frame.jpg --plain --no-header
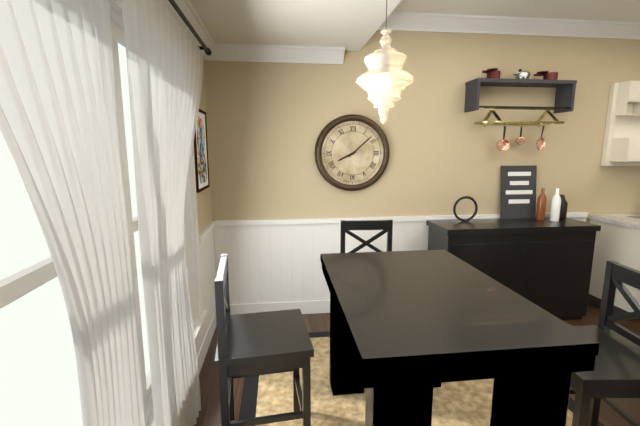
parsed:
8:08
